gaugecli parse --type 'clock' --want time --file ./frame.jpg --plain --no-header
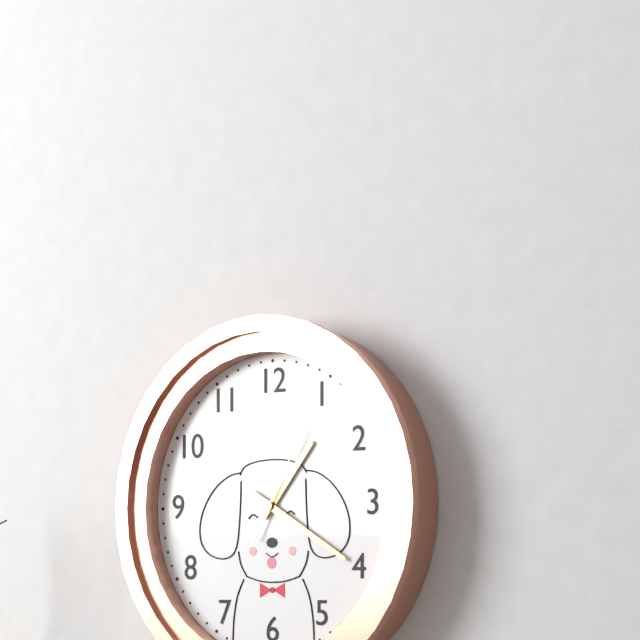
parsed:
1:20:05
